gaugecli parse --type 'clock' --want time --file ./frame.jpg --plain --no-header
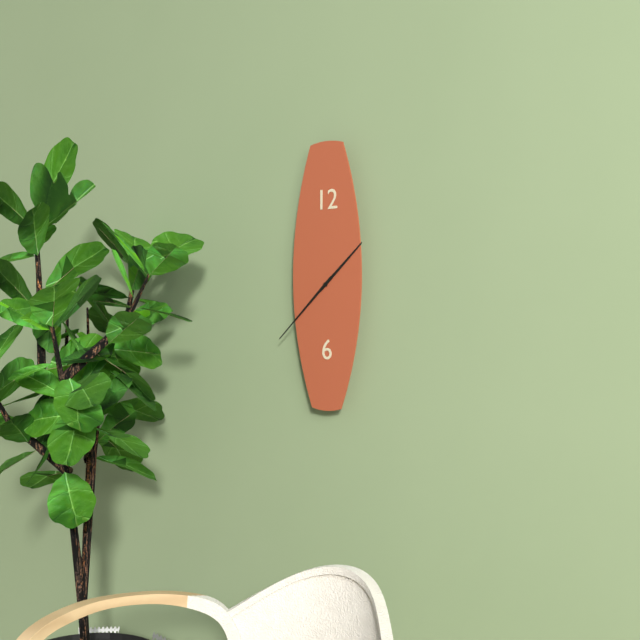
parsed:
1:38
